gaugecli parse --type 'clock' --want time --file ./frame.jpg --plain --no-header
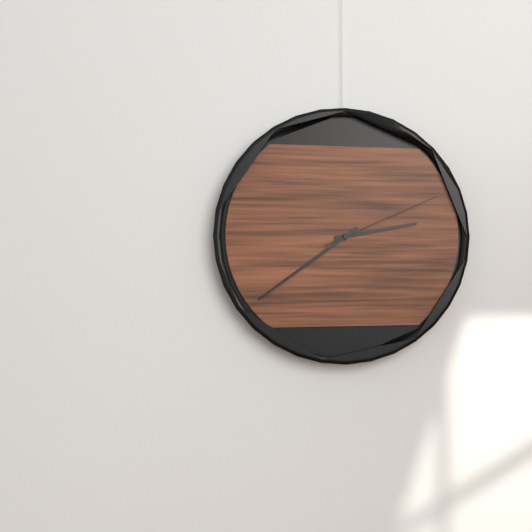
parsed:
2:39:11
